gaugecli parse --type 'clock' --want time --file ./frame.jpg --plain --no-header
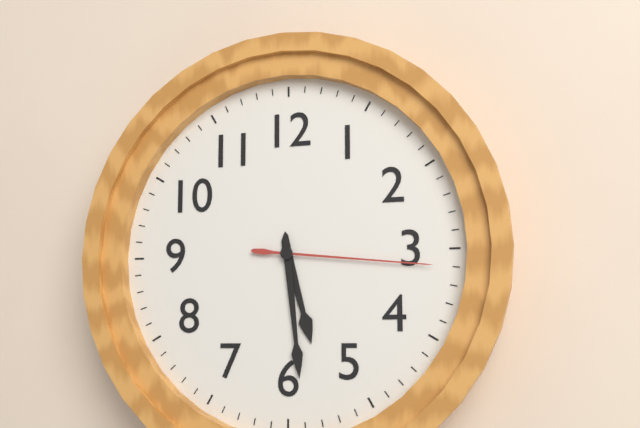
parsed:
5:29:16
